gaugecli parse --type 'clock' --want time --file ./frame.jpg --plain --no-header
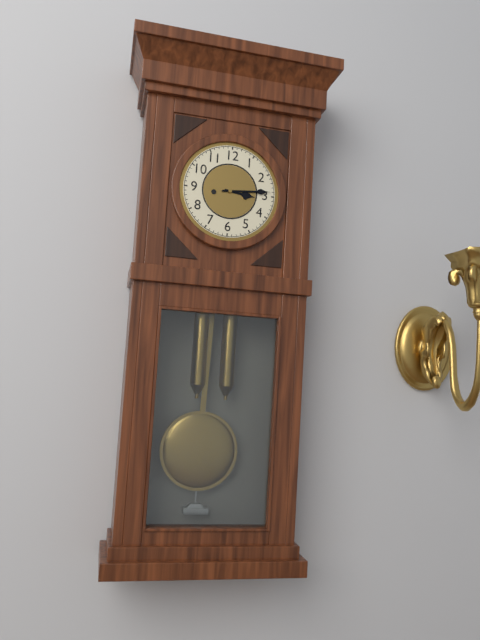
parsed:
3:14
